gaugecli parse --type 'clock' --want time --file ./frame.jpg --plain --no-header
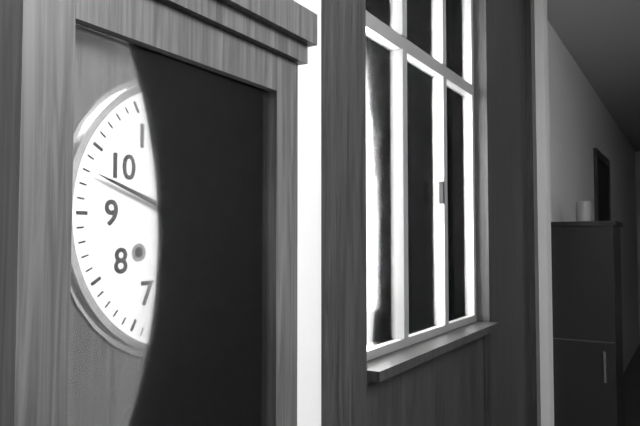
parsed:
11:48
